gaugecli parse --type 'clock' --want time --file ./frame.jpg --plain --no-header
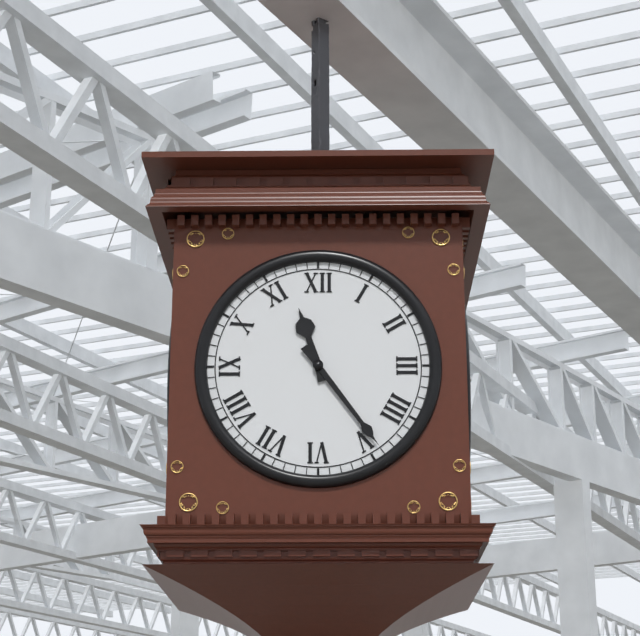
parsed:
11:24
